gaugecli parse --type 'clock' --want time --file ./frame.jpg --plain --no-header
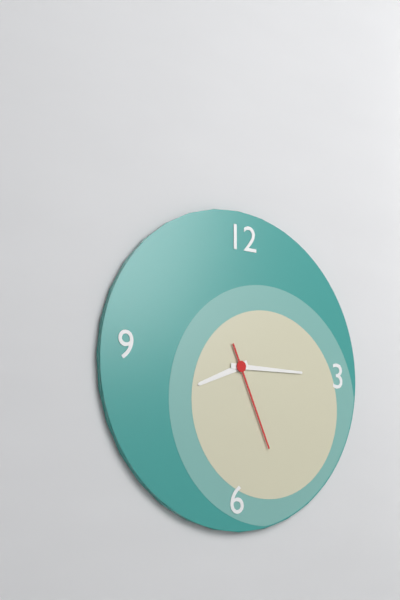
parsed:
8:15:26
